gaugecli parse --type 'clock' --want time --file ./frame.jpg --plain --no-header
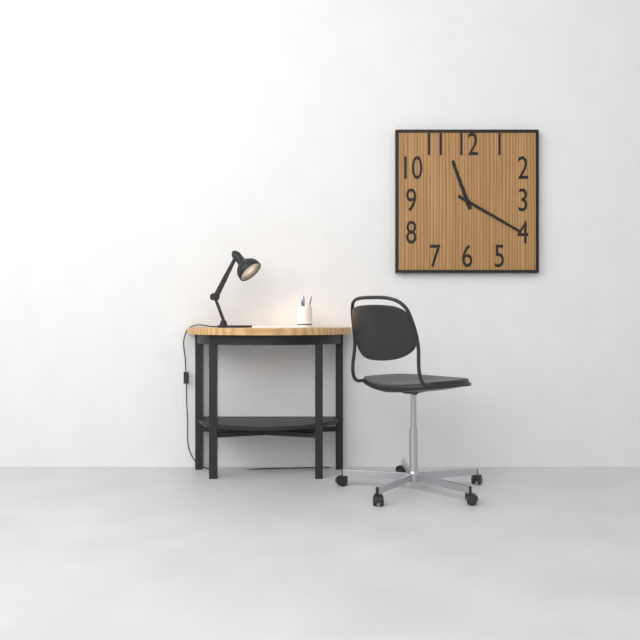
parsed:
11:20
